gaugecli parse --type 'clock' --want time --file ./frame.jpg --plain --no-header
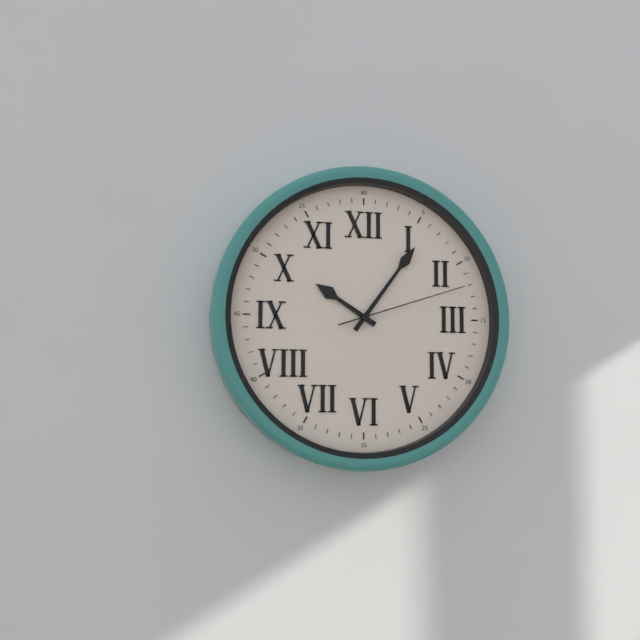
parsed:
10:06:12
